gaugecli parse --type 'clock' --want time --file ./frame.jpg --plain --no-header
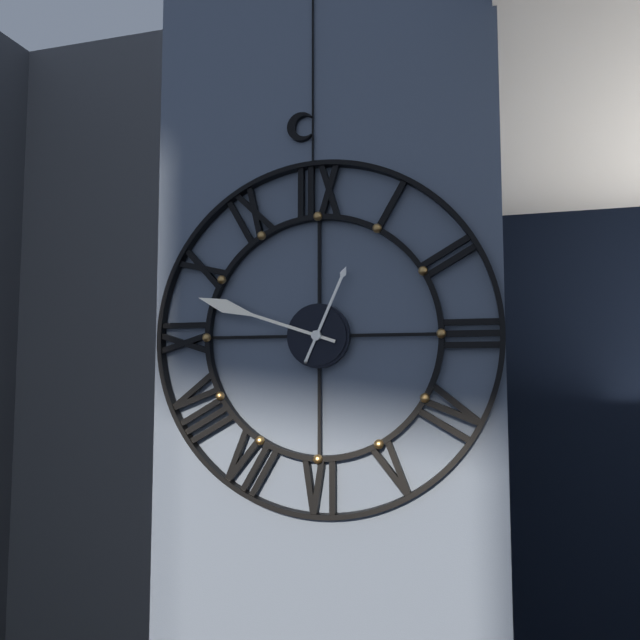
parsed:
12:48
